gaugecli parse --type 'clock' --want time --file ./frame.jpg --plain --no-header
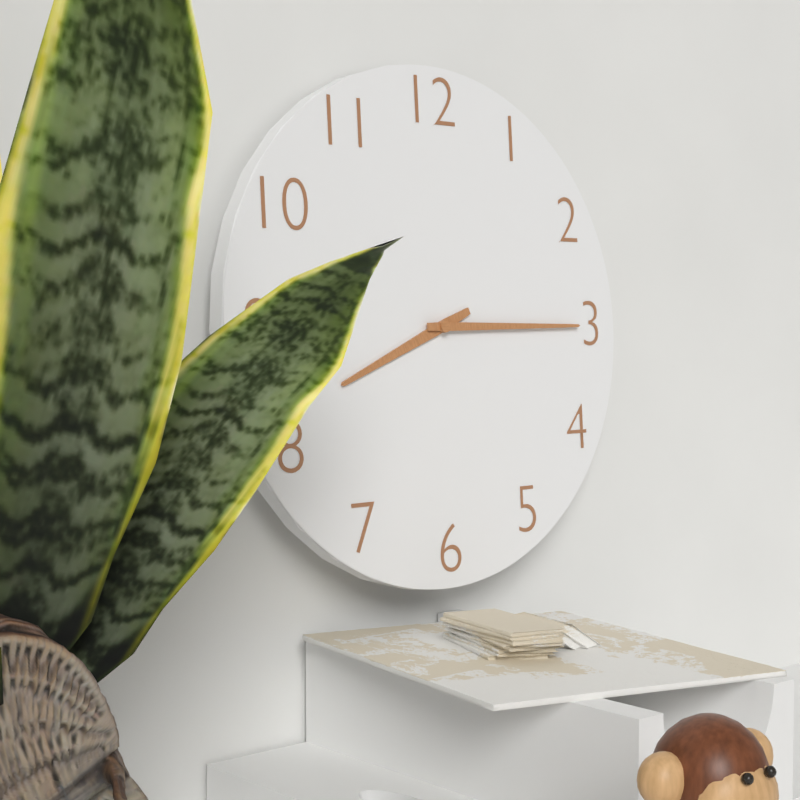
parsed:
8:15
